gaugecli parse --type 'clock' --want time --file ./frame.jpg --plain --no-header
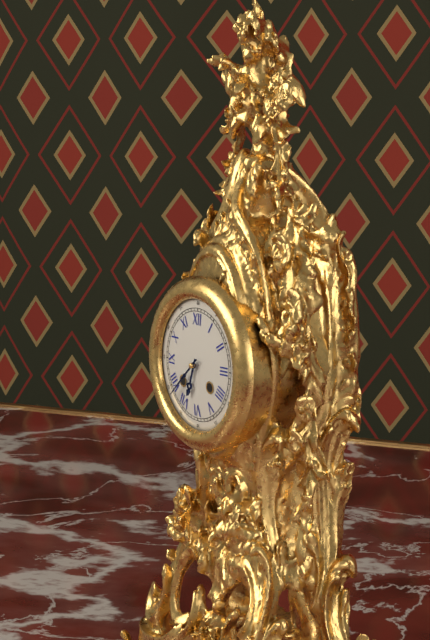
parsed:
6:38
